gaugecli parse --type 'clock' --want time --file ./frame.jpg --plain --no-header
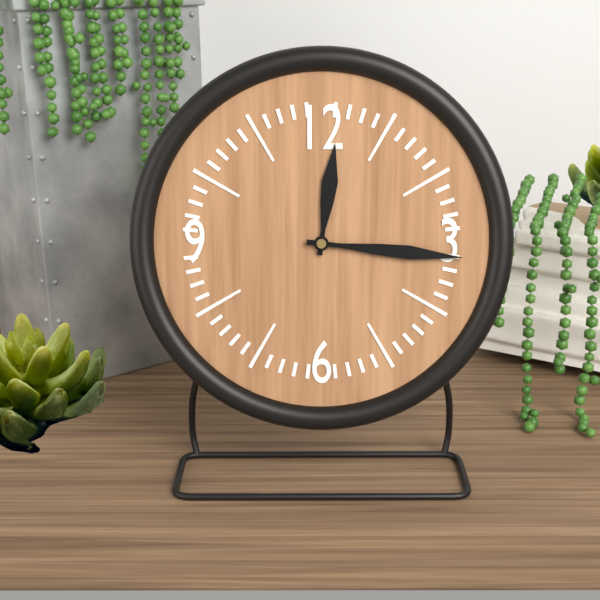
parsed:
12:16
